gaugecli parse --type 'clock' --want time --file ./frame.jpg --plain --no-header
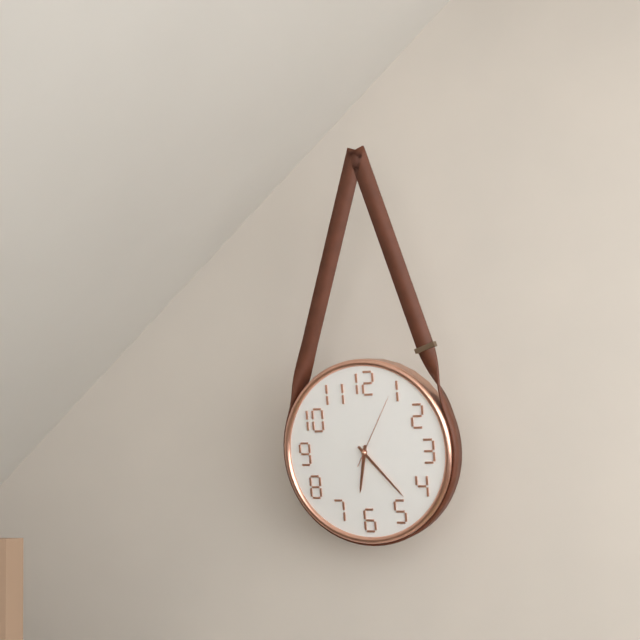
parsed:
6:23:05
